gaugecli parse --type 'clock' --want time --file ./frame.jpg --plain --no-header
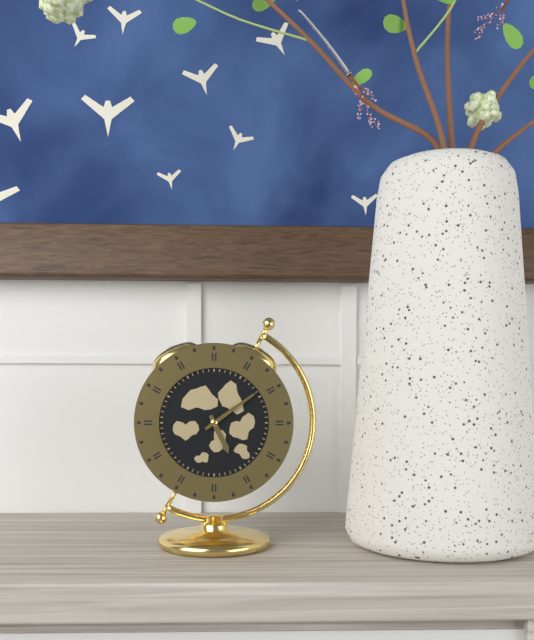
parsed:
5:09
